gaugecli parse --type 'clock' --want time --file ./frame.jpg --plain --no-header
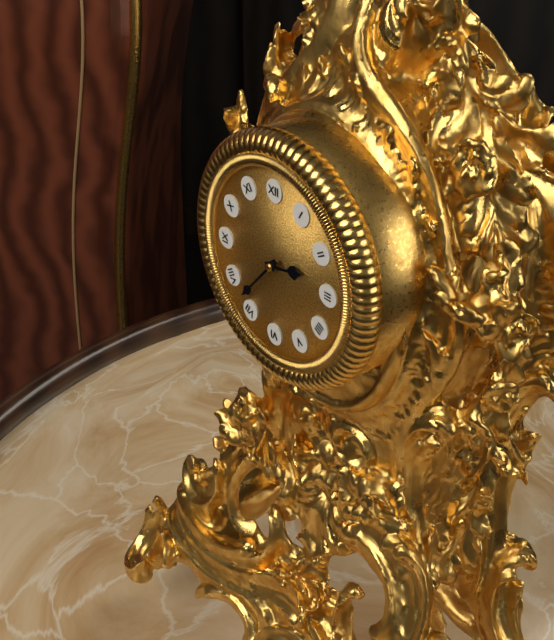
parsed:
2:37
